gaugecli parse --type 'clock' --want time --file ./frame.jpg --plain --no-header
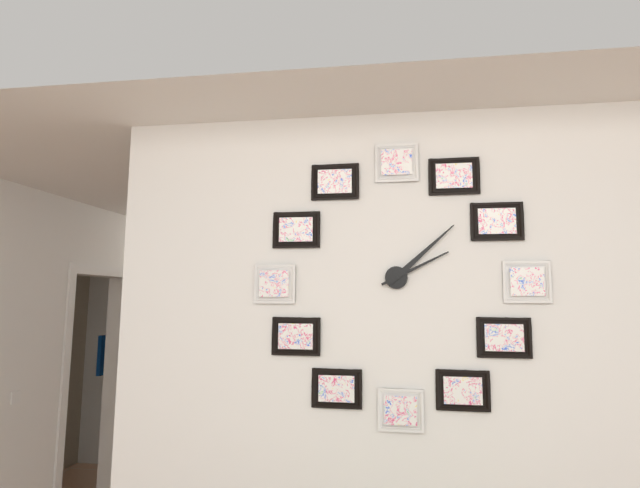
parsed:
2:08
